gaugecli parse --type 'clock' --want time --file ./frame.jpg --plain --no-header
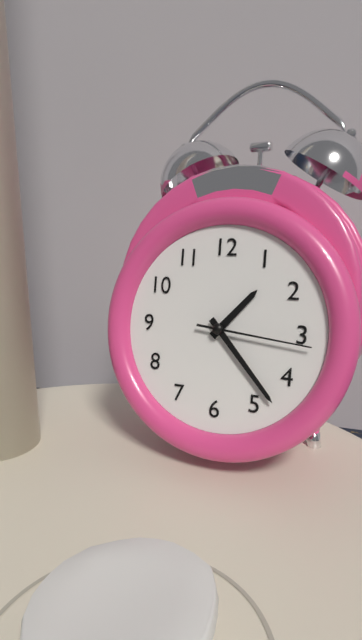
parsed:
1:23:16
